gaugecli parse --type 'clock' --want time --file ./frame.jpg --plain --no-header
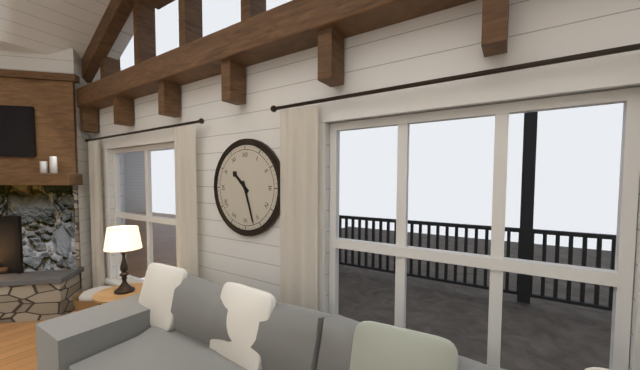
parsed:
10:27
